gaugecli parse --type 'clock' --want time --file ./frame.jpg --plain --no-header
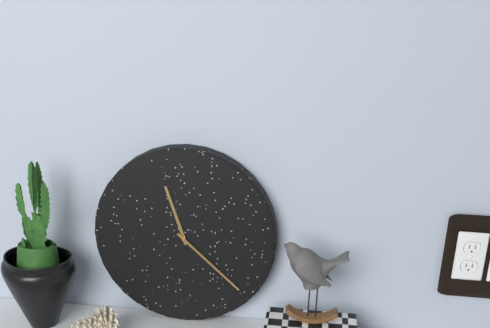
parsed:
11:22
